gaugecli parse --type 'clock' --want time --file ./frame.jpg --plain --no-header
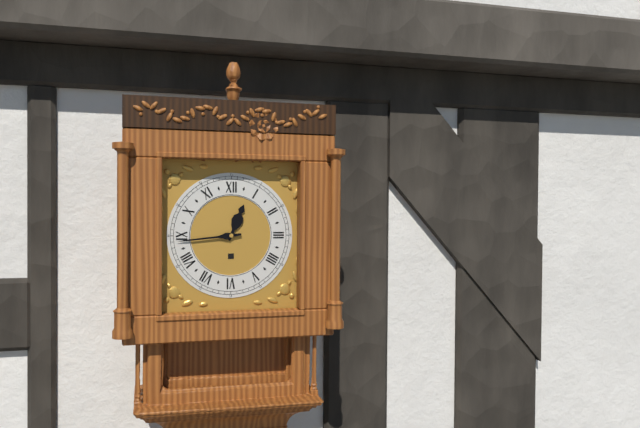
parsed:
12:44
